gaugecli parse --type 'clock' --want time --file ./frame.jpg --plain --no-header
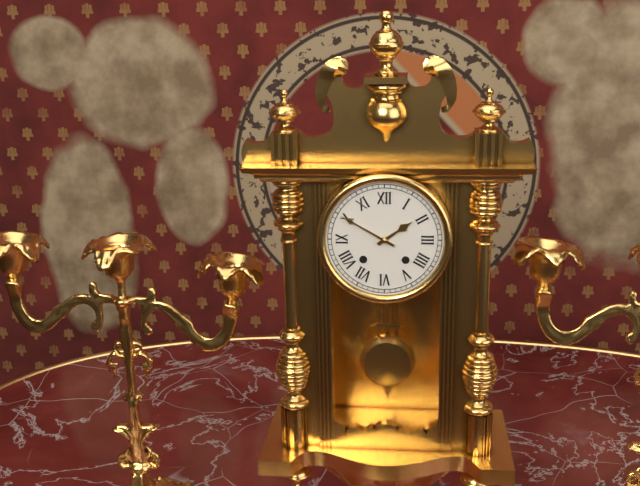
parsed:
1:50
